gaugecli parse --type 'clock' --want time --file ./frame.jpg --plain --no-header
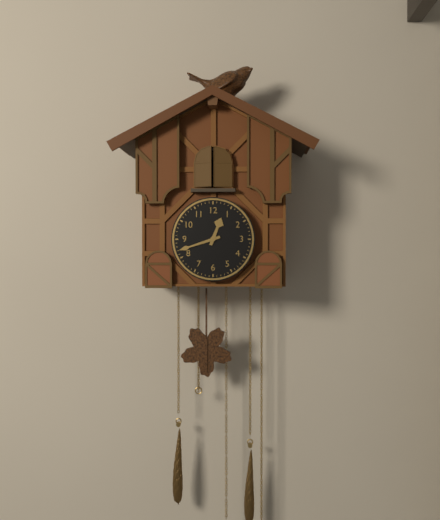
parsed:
12:42
